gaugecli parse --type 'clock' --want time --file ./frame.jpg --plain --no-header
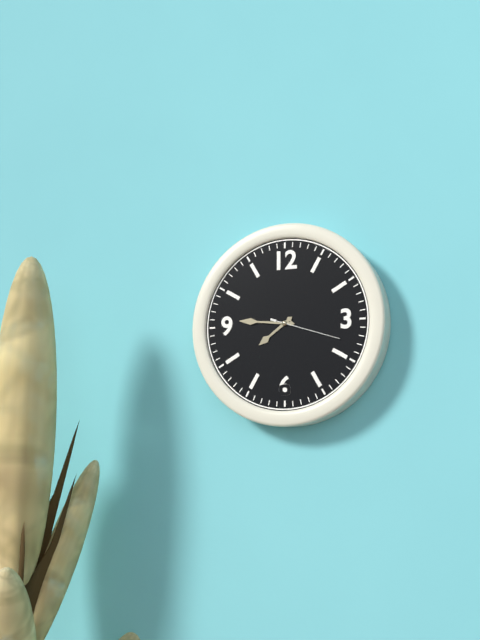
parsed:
7:46:18
